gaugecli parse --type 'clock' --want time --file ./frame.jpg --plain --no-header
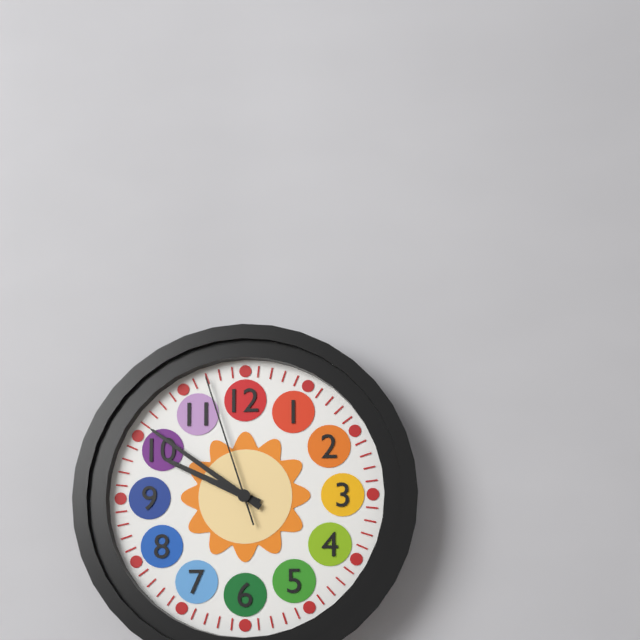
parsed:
9:51:57
